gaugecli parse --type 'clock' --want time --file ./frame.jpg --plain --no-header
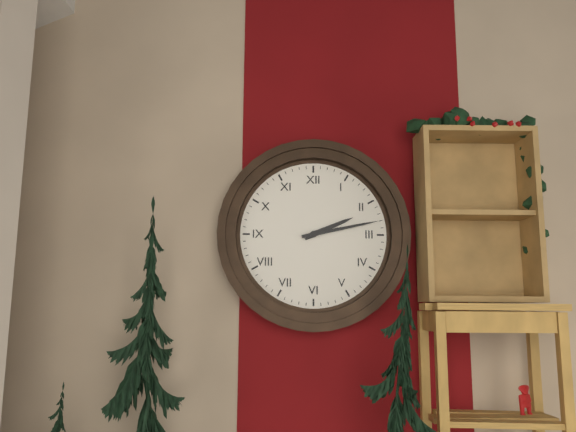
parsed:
2:13
